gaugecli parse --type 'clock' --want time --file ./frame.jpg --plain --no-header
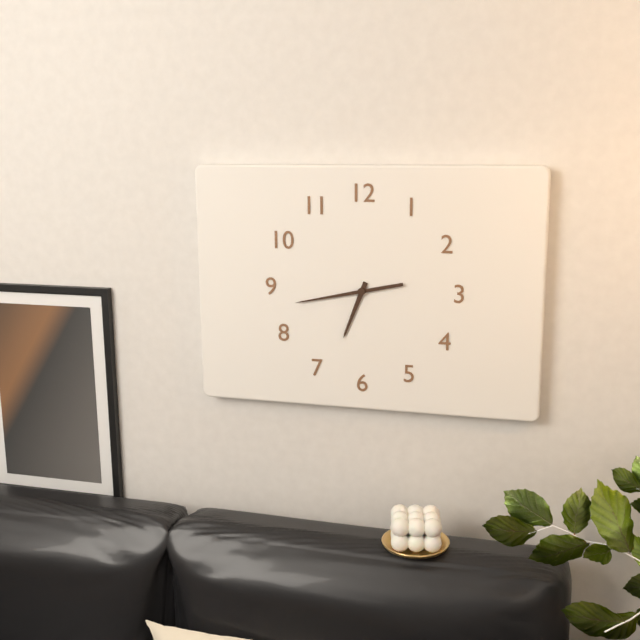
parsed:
6:43
